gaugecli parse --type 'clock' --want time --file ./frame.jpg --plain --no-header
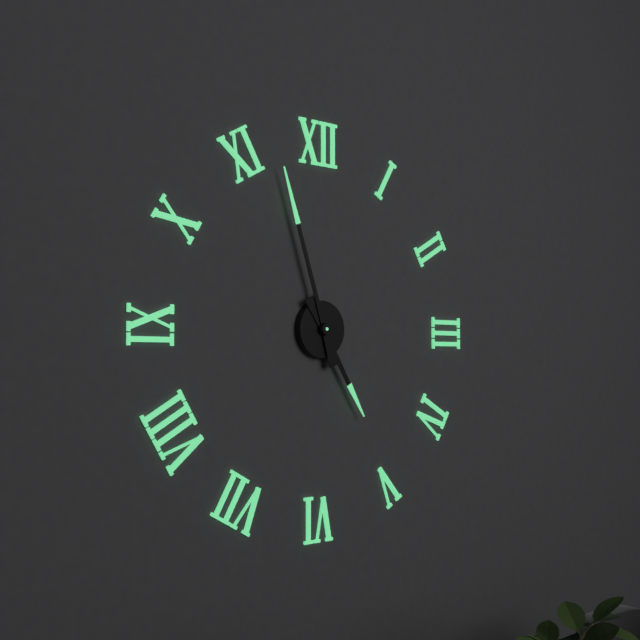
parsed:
4:57
